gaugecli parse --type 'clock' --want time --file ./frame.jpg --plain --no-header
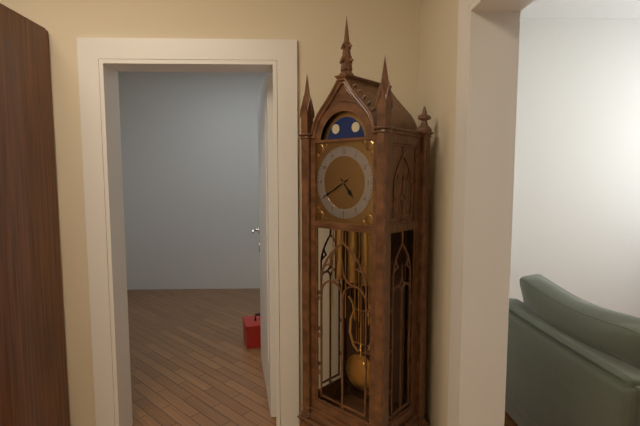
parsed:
4:40
